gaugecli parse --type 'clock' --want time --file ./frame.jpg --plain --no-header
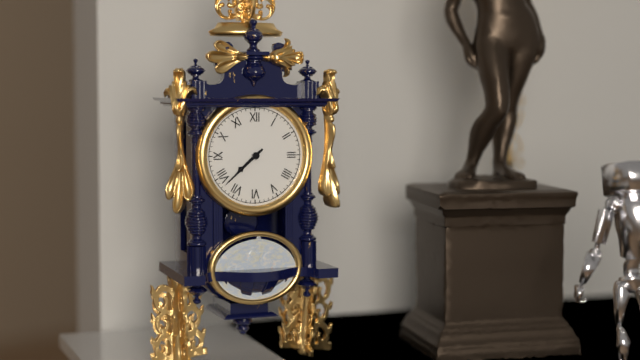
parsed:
7:38
